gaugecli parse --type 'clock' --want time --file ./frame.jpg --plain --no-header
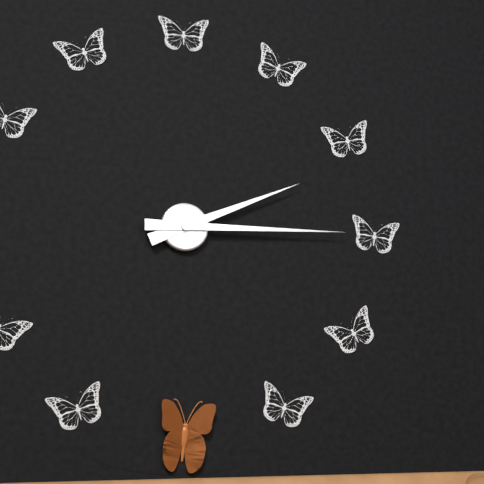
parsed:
2:15
